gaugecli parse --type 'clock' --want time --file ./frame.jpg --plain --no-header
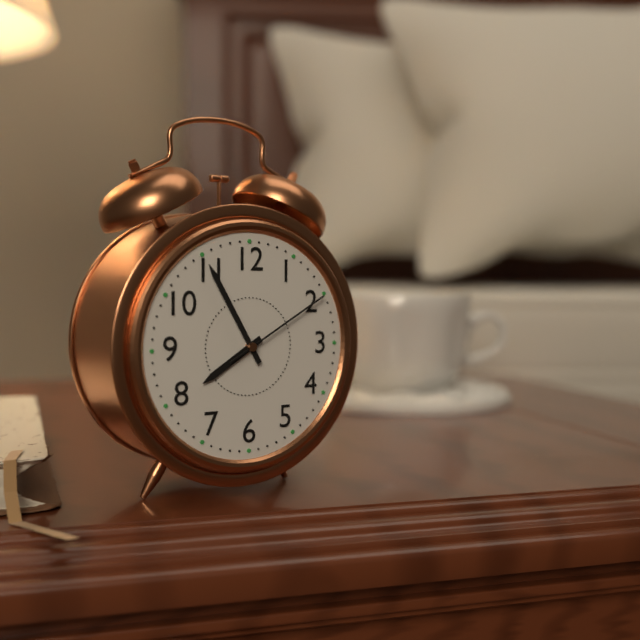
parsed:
7:55:10
